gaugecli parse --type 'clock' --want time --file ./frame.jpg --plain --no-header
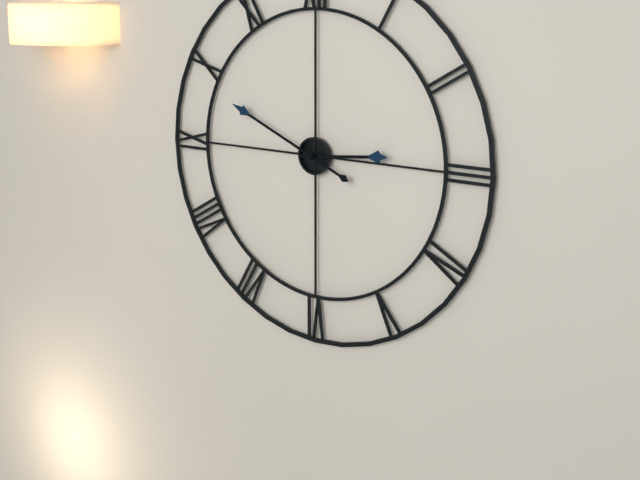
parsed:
2:49
